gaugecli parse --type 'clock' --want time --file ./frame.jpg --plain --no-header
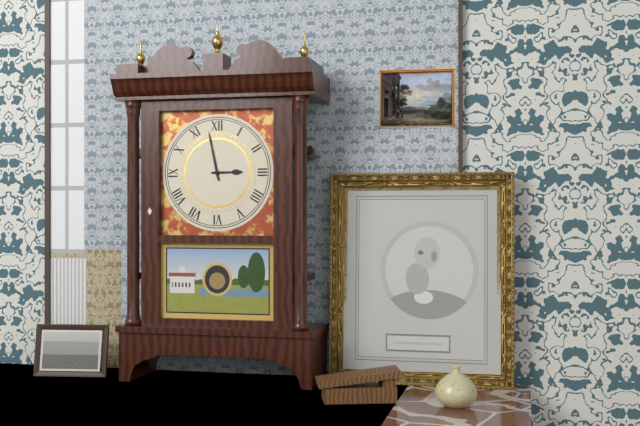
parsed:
2:58
